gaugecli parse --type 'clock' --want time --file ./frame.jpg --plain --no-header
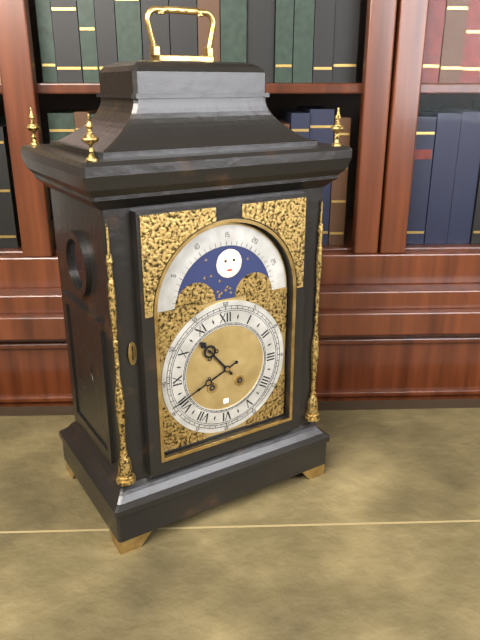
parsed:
10:41
